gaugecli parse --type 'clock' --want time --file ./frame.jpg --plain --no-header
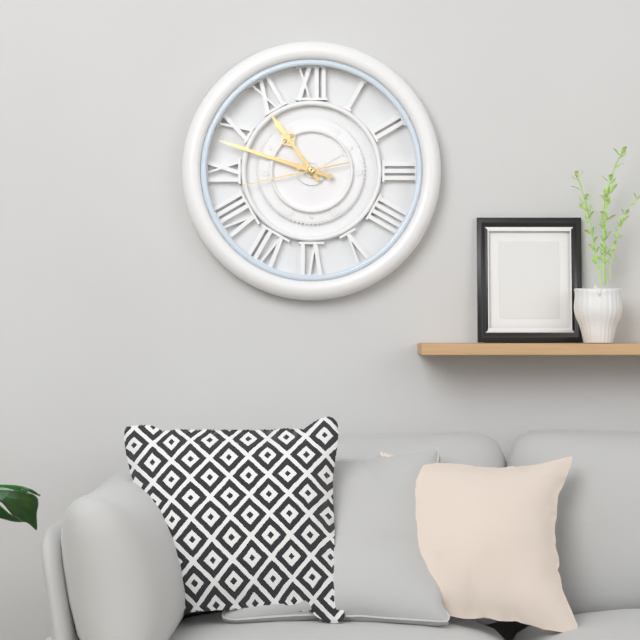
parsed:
10:48:43
